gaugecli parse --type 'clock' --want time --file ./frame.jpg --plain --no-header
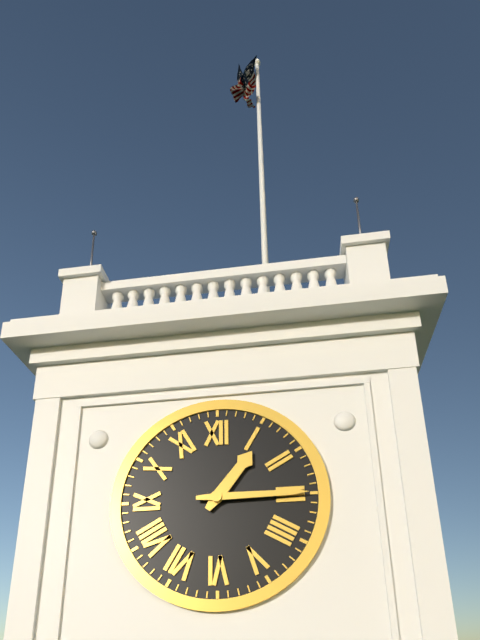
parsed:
1:15
